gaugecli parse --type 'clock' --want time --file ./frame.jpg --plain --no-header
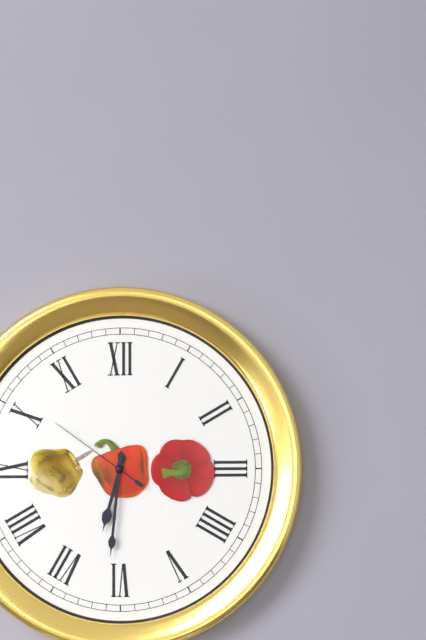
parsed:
6:31:51
